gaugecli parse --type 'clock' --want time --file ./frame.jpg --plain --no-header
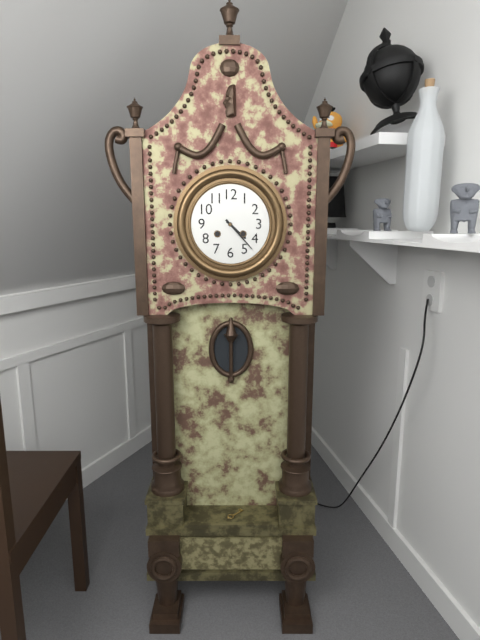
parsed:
4:23
